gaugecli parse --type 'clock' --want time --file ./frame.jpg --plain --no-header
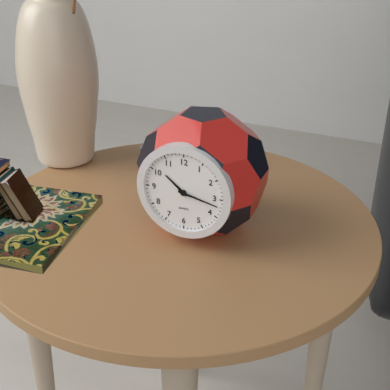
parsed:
10:17
